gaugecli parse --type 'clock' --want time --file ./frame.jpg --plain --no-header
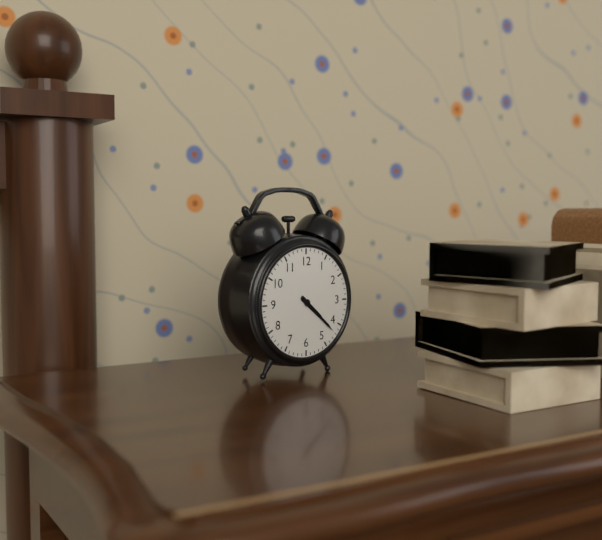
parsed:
4:22
